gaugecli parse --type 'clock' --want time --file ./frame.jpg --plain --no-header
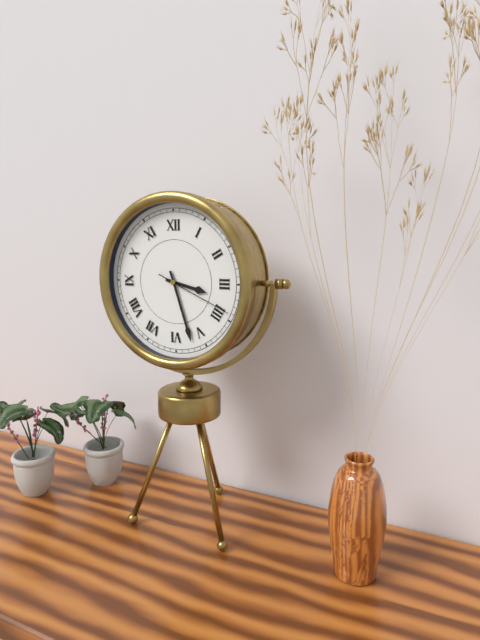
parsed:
3:27:19
